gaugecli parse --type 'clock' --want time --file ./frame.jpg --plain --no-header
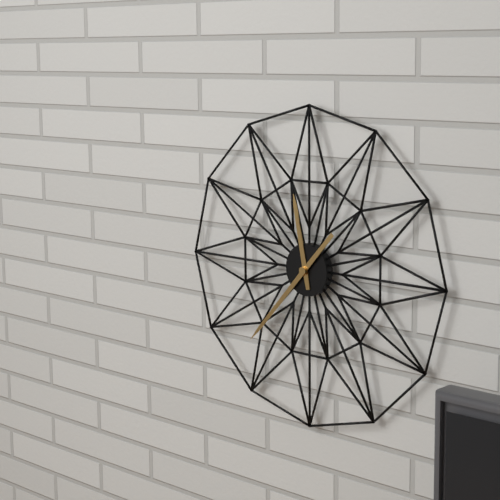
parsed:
11:37
